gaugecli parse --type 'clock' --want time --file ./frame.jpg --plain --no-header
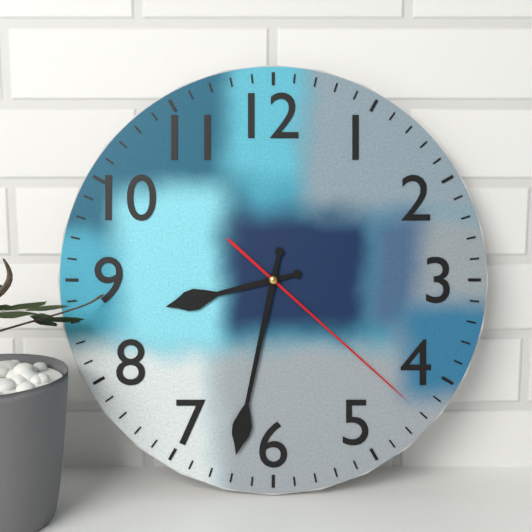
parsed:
8:32:22
